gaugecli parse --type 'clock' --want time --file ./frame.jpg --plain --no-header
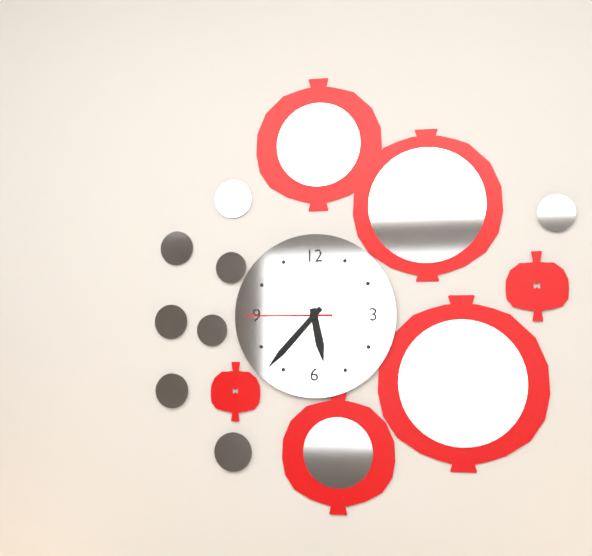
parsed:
5:37:45
